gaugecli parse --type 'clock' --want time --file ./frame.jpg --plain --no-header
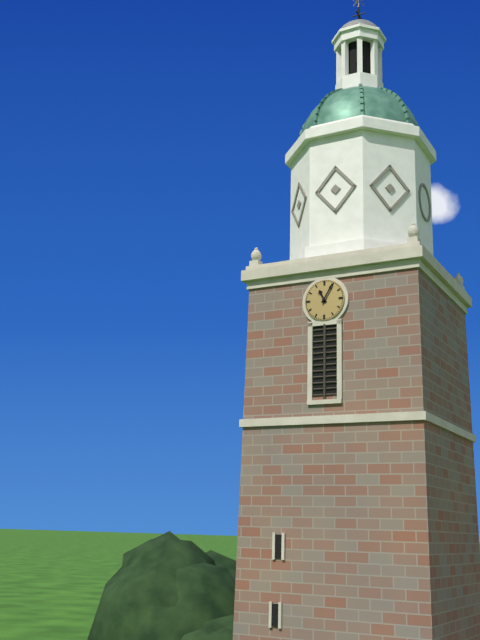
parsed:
11:05
